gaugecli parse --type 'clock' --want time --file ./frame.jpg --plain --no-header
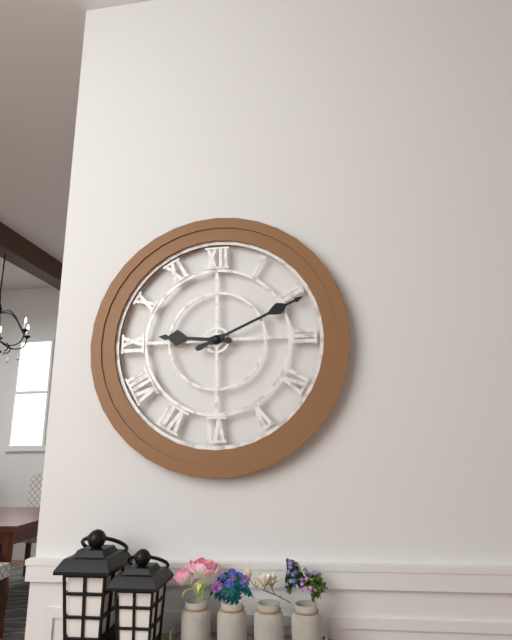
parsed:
9:11
